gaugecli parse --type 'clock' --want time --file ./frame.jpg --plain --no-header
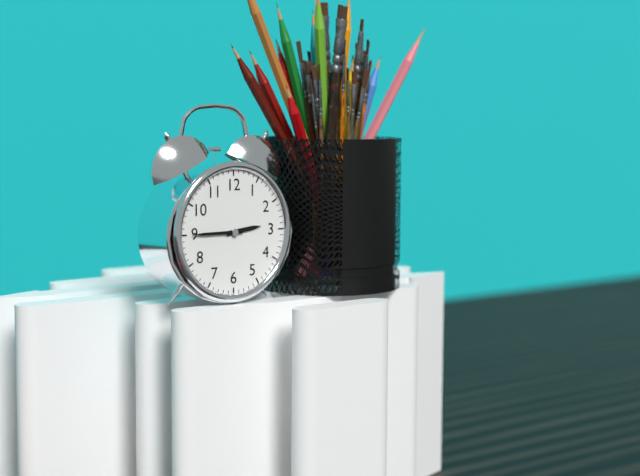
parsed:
2:45
